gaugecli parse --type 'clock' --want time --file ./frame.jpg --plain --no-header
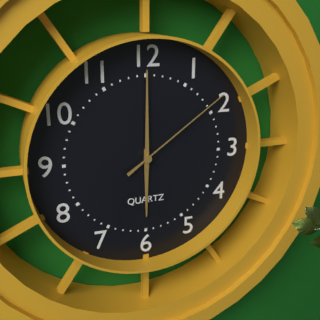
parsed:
6:00:09
